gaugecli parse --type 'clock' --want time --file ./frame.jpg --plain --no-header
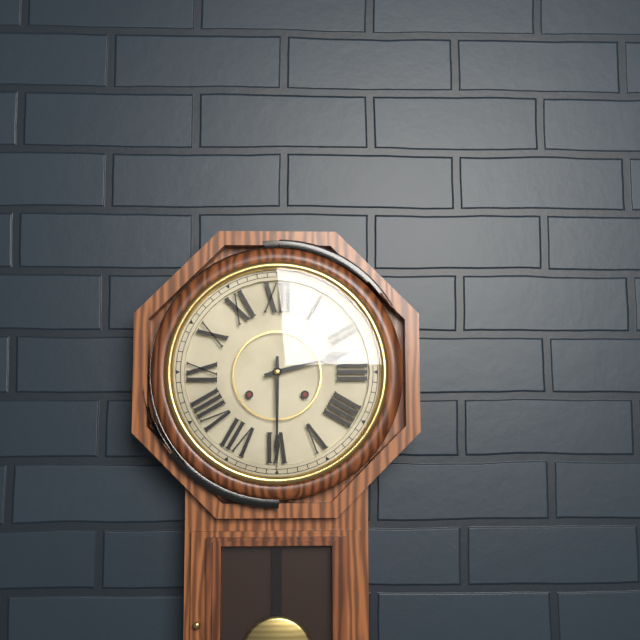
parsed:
2:30
